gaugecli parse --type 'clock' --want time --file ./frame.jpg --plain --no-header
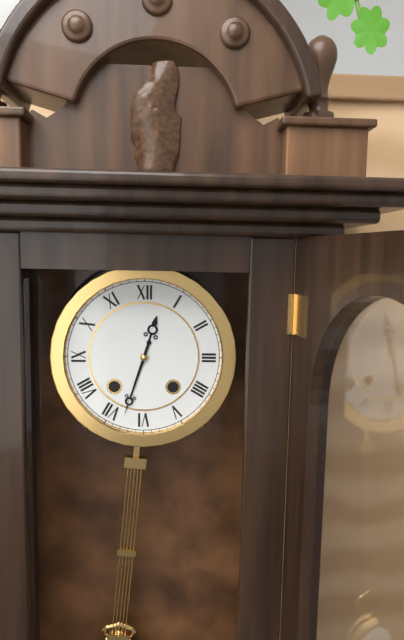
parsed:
12:33
